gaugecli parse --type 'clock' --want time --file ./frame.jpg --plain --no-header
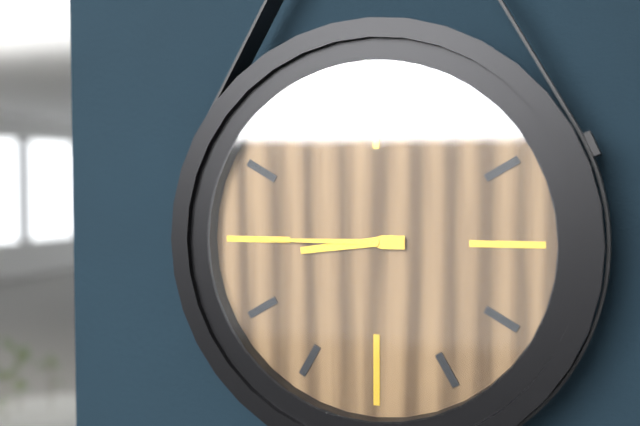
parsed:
8:45
